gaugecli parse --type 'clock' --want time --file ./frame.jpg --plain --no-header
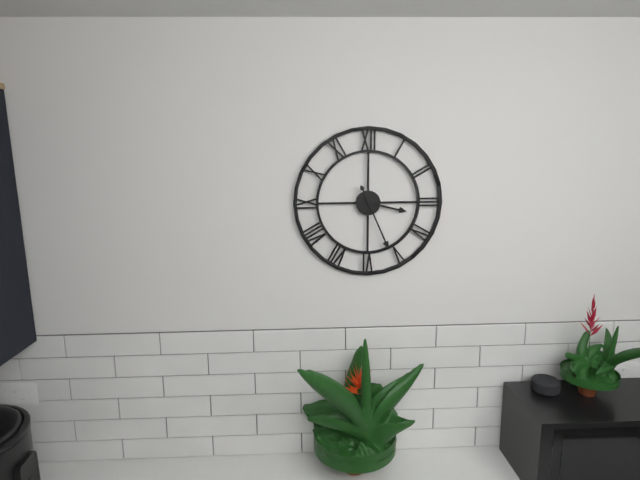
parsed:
3:26
